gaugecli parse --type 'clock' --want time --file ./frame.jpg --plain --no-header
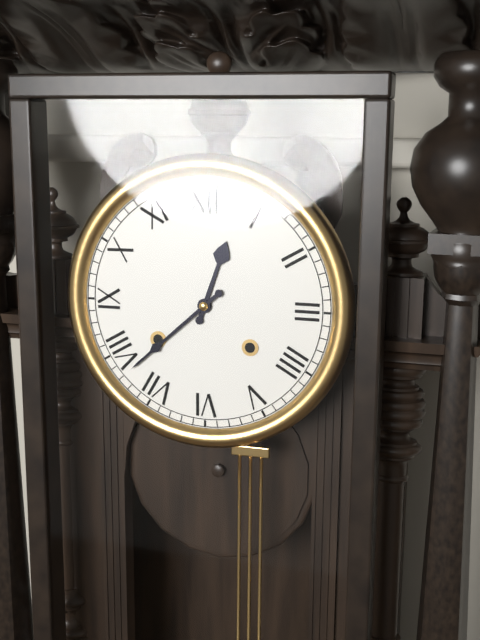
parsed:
12:38
